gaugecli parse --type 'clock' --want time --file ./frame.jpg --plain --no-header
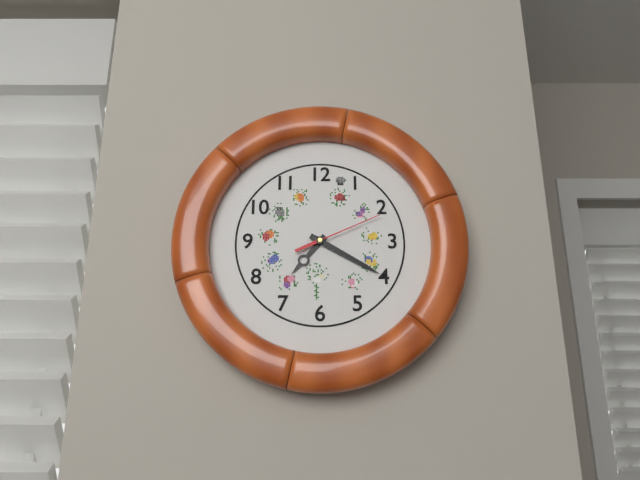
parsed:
7:20:11
